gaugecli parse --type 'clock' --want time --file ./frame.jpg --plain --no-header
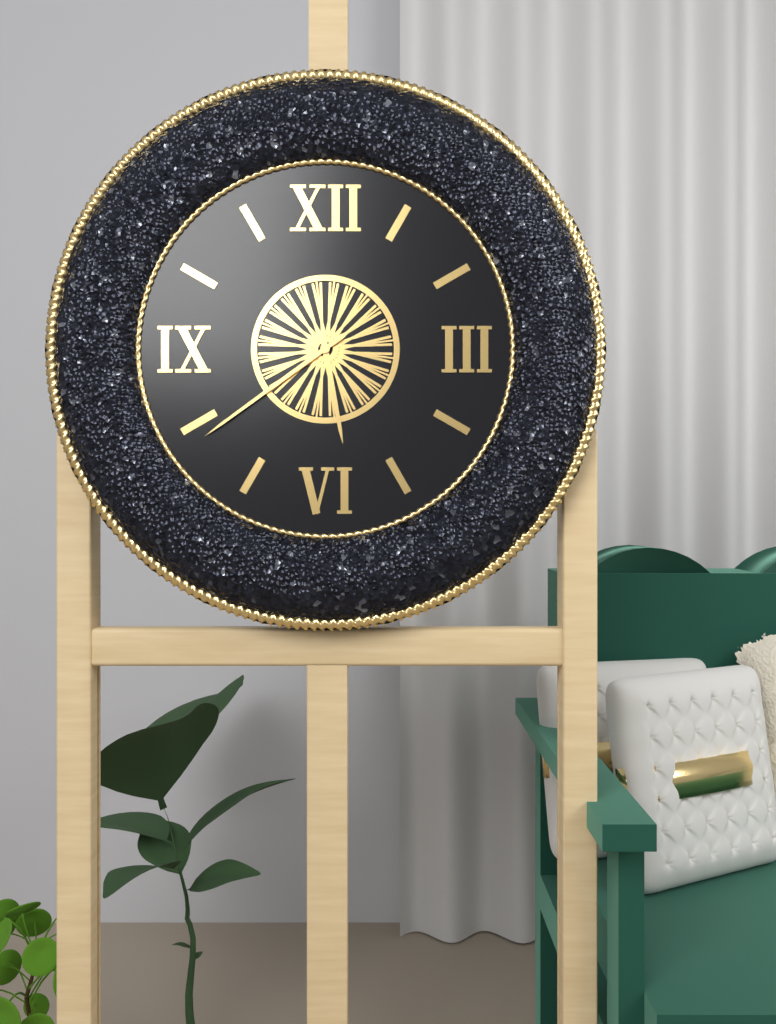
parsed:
5:39
